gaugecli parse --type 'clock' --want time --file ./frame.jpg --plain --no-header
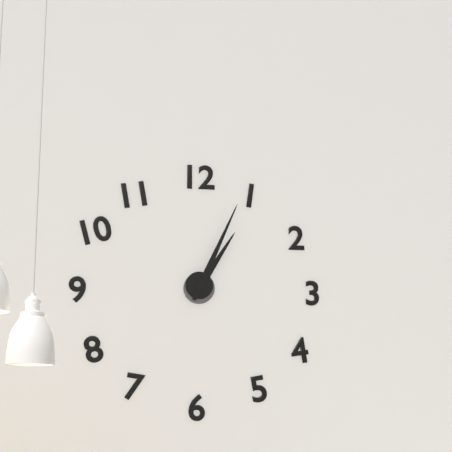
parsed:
1:04
